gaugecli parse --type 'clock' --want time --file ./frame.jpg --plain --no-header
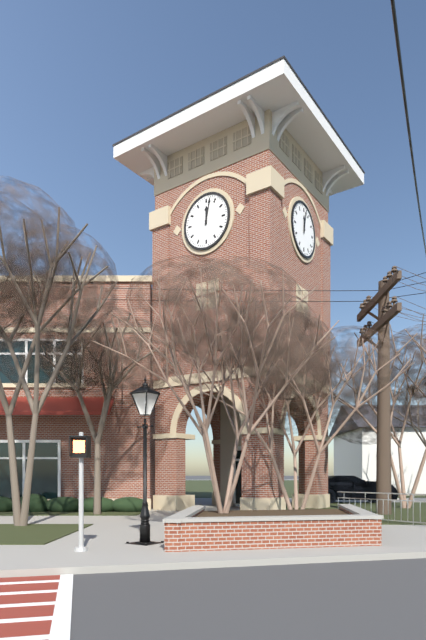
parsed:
12:02
